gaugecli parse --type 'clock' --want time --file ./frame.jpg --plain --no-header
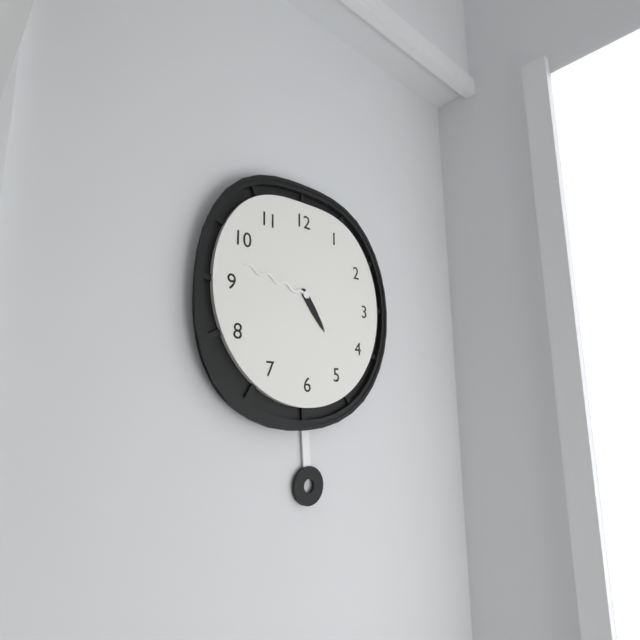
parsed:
4:47
